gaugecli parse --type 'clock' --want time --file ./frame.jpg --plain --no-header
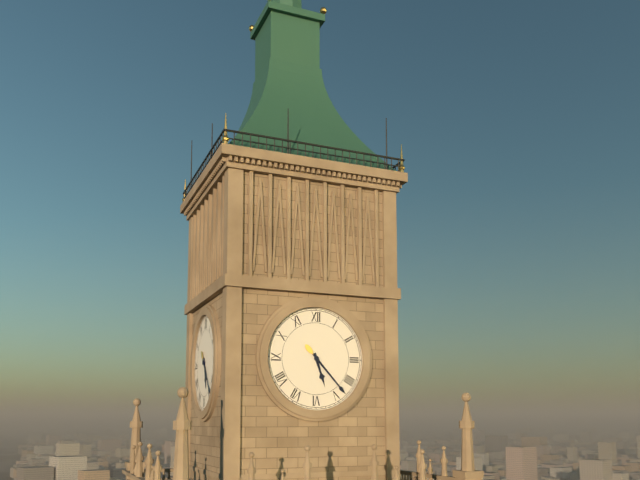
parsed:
5:23
